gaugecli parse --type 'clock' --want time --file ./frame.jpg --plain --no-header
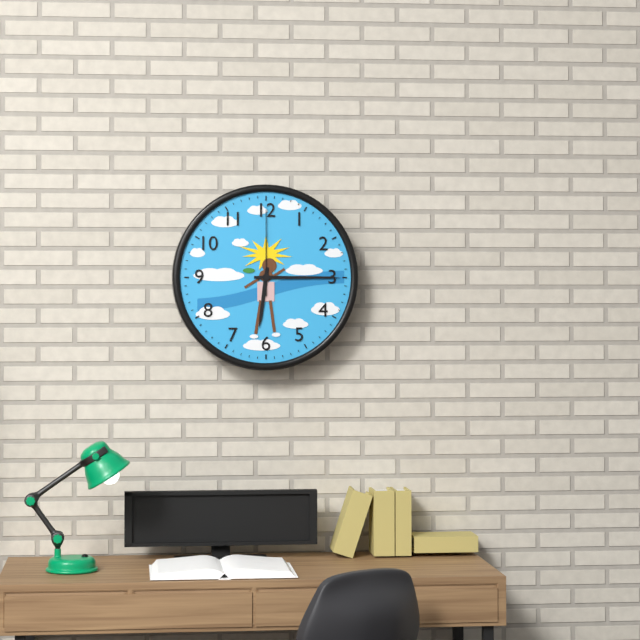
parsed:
6:15:00
